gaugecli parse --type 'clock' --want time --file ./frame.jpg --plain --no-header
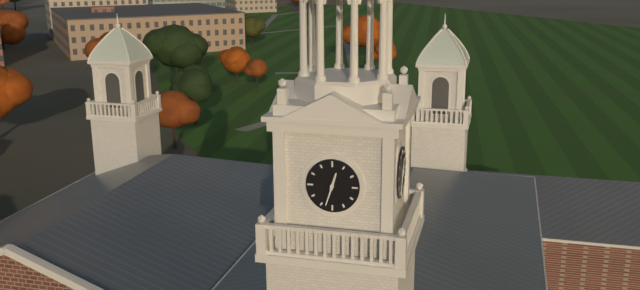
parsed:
12:33
